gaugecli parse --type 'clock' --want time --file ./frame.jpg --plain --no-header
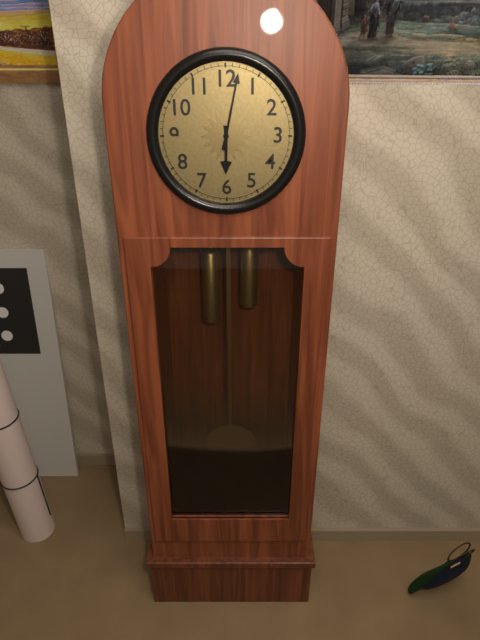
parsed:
6:02
